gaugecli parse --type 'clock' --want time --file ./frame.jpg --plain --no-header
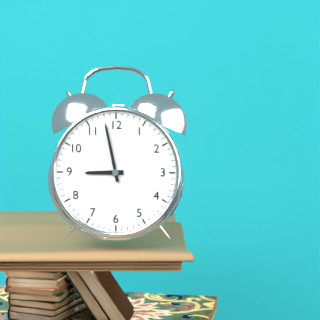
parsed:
8:58
